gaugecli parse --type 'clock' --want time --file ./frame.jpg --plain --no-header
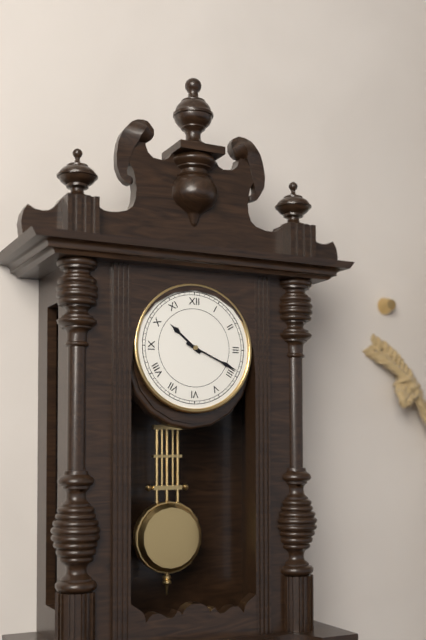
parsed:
10:19
